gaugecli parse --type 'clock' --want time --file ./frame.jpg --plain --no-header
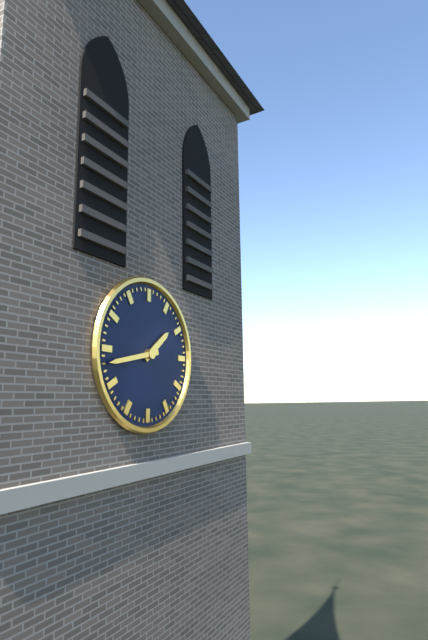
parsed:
1:43
